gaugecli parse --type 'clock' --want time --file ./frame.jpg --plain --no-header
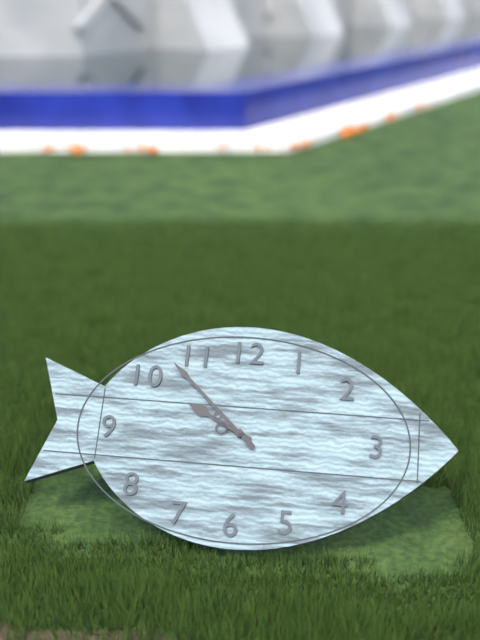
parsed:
9:52
